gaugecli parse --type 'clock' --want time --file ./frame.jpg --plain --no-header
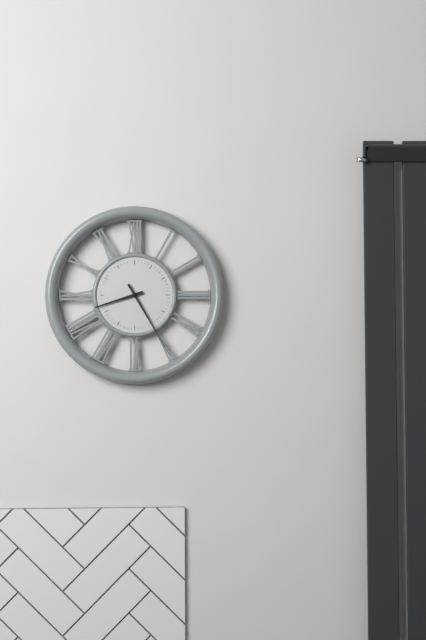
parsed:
8:25
